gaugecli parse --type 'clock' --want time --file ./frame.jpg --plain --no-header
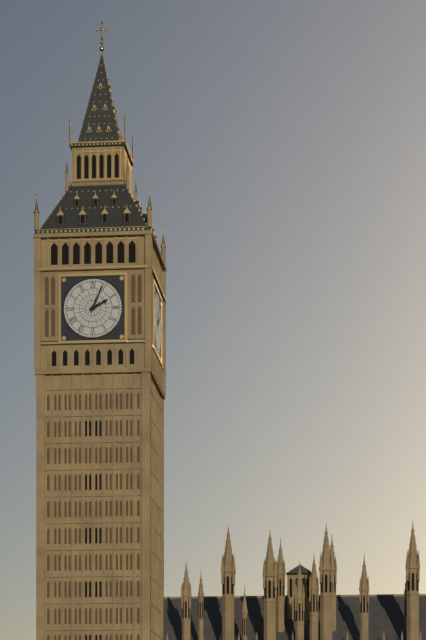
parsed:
2:04
